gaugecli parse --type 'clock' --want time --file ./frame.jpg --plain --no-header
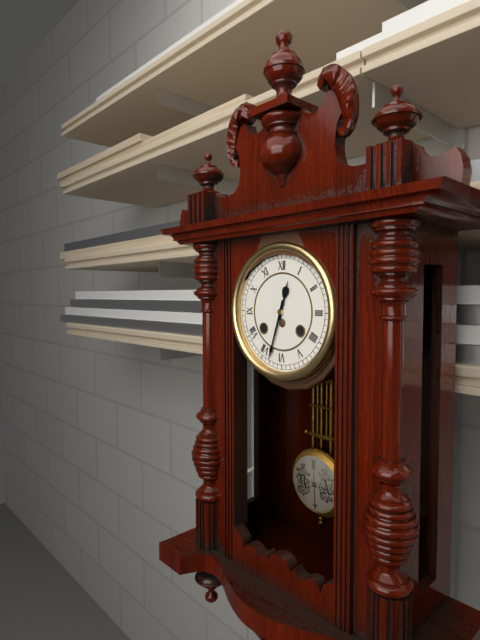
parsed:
12:33
